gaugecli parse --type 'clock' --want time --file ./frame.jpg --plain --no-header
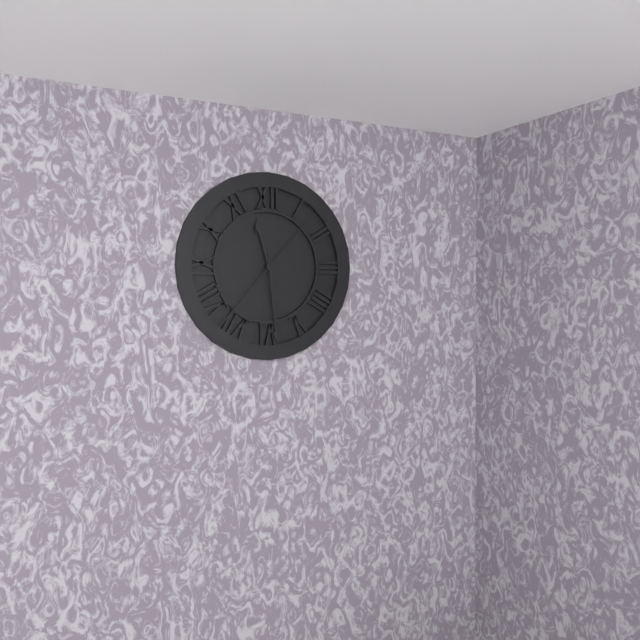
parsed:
11:29:37
